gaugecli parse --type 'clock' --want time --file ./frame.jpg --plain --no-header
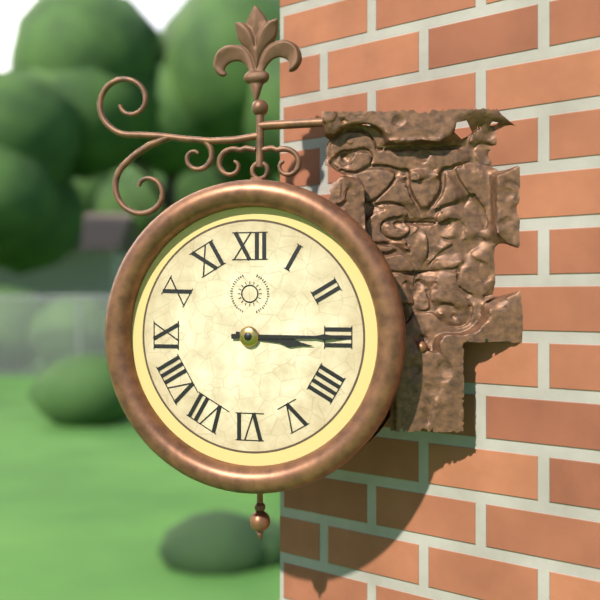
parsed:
3:15
